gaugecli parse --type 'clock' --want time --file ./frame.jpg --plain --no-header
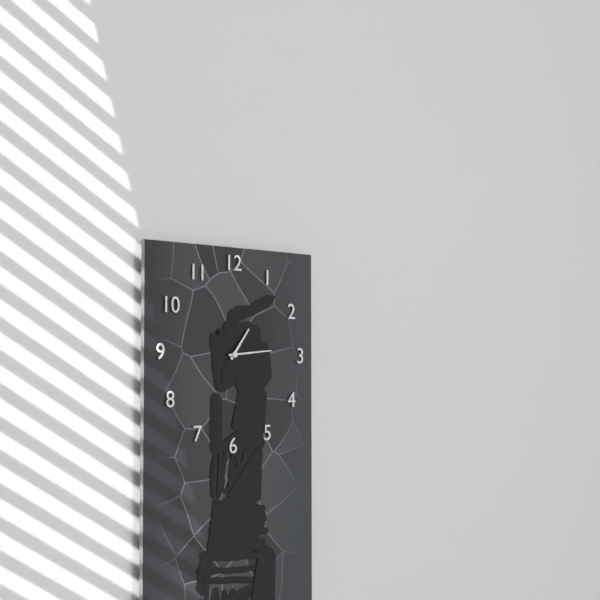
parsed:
1:14
